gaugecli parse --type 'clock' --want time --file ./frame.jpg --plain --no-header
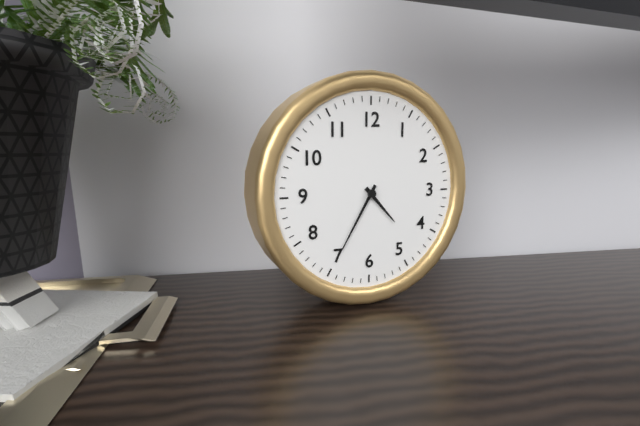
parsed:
4:35
